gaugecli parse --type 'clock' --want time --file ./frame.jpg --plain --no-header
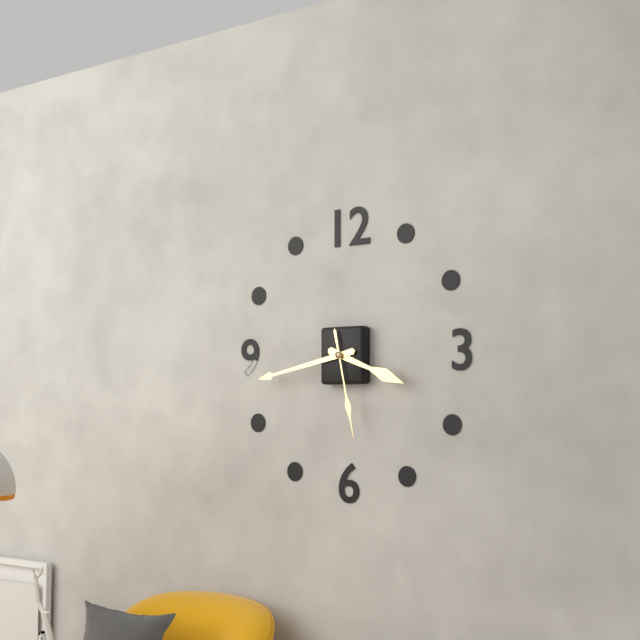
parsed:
3:43:28
